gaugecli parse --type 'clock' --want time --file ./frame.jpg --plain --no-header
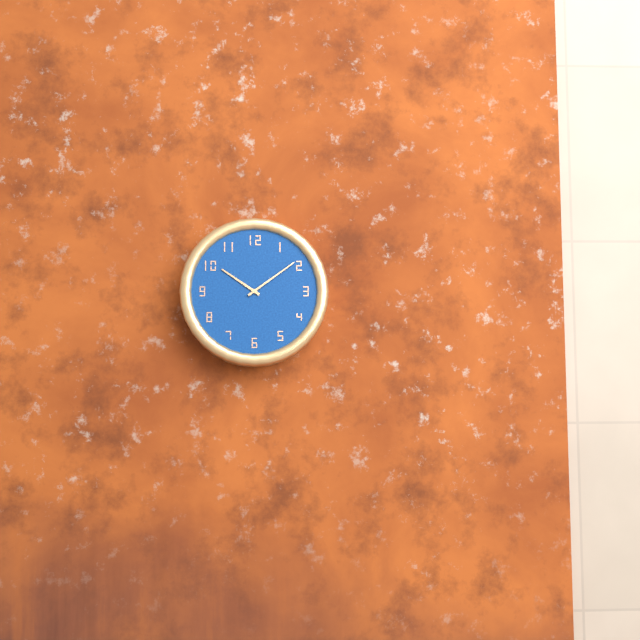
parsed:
10:09
